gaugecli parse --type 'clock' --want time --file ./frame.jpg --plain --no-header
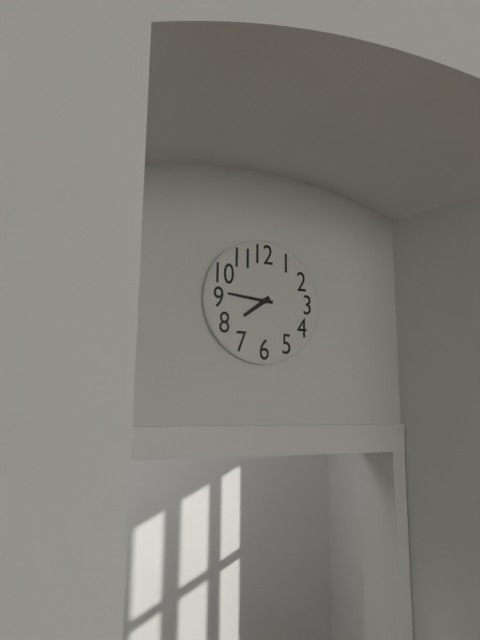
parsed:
7:46
